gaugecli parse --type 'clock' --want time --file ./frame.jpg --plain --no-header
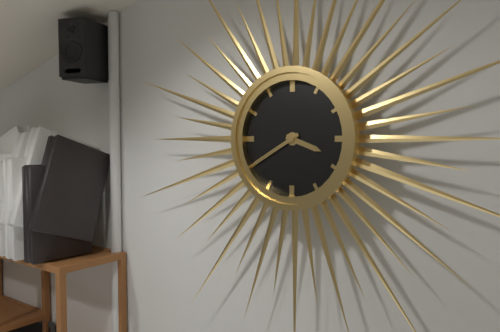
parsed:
3:40
